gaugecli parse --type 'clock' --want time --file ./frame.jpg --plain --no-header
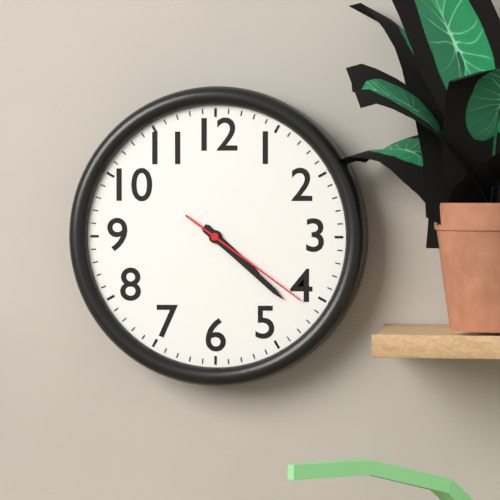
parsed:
4:22:21
